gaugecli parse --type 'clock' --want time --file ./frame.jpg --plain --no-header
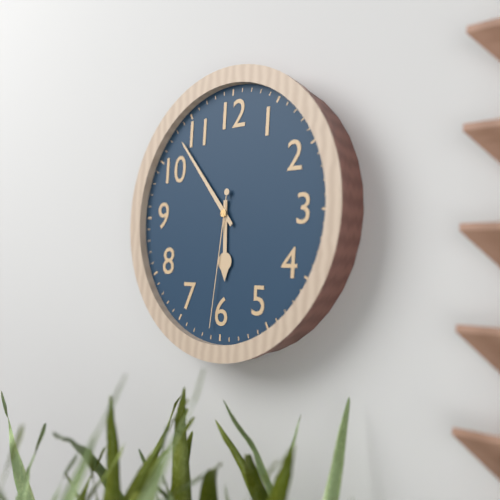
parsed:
5:53:31
